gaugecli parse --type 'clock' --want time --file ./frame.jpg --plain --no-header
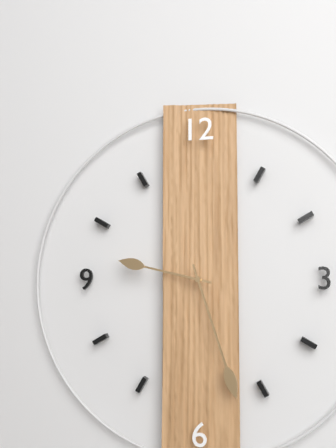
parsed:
9:27
